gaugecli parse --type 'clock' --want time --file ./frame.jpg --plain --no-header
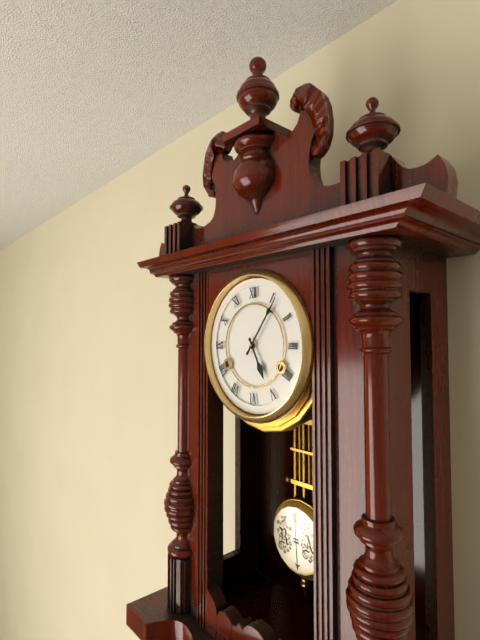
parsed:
5:06
